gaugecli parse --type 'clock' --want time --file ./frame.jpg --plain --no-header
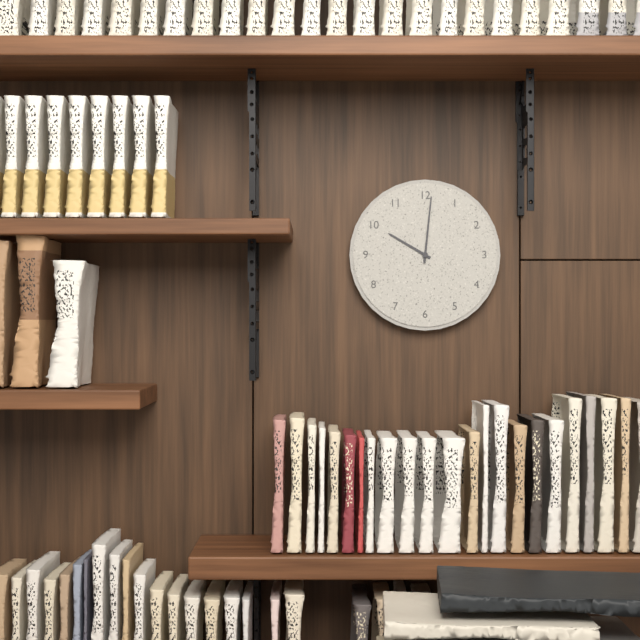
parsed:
10:01
